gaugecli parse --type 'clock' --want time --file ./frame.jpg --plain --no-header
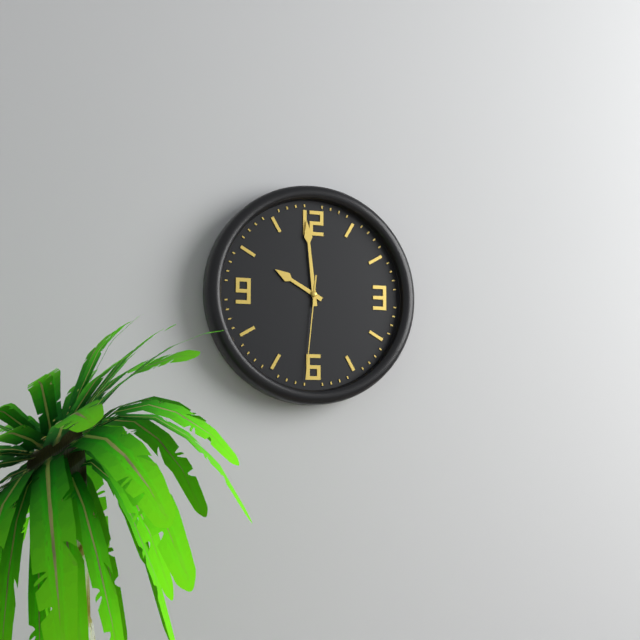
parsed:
9:59:31
